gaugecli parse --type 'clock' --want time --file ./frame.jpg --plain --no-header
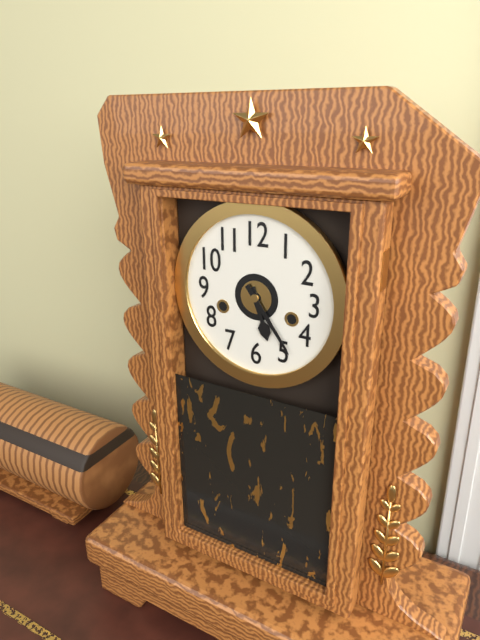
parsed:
5:24
